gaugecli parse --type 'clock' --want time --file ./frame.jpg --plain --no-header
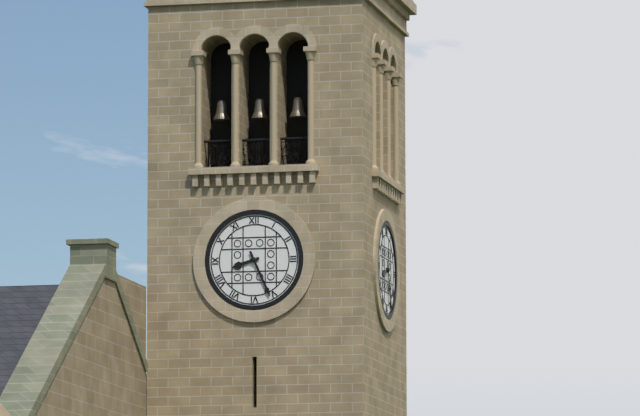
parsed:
8:26
